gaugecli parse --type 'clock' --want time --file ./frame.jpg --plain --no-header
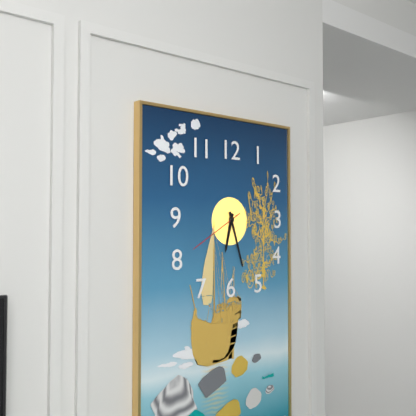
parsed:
6:27:40
